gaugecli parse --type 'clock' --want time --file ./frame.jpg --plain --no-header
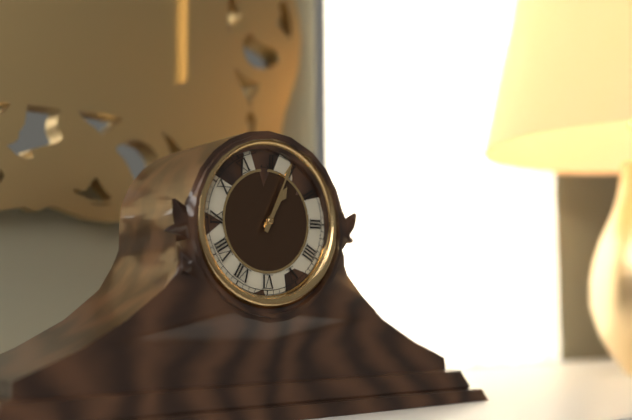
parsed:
1:04
